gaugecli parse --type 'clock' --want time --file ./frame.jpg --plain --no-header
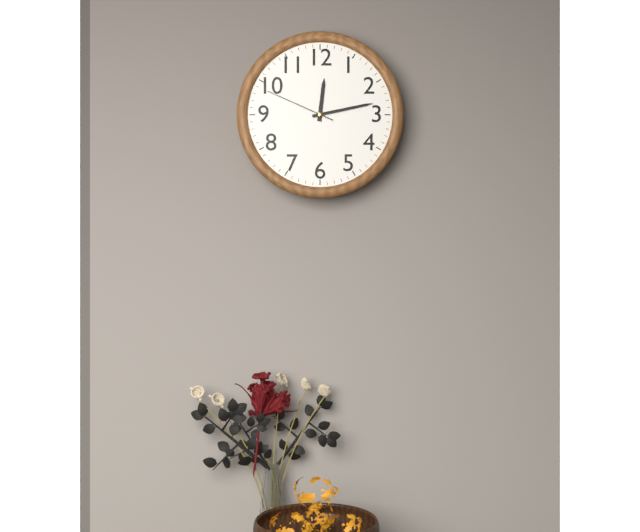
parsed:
12:13:49
